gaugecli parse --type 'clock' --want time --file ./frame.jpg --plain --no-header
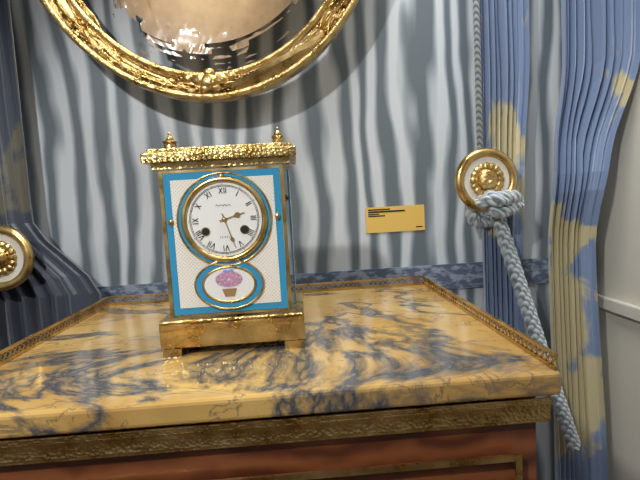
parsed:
2:27
